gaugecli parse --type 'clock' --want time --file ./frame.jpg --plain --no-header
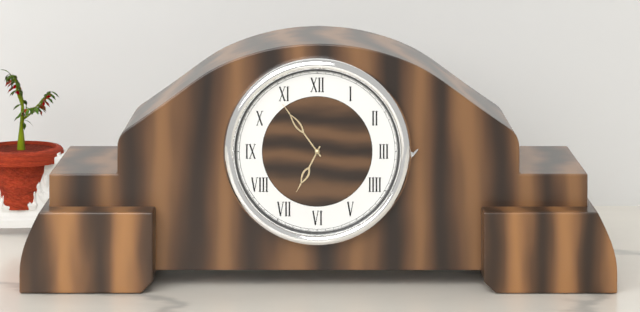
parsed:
6:54
